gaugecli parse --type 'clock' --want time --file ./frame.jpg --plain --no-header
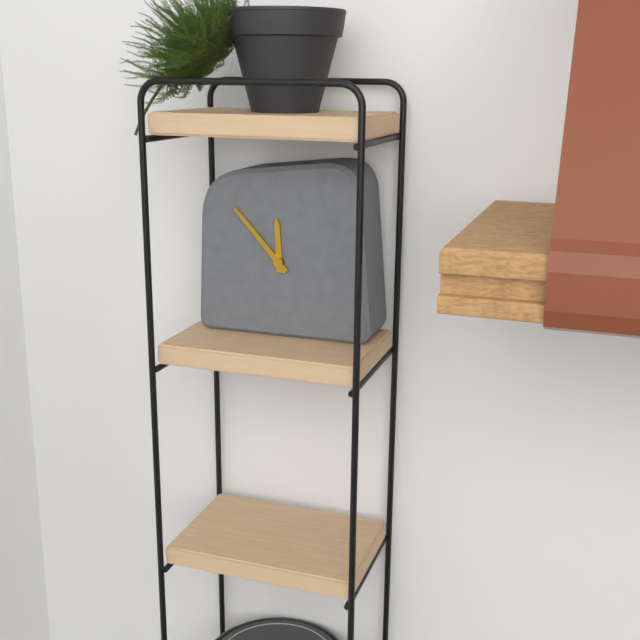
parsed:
11:53
